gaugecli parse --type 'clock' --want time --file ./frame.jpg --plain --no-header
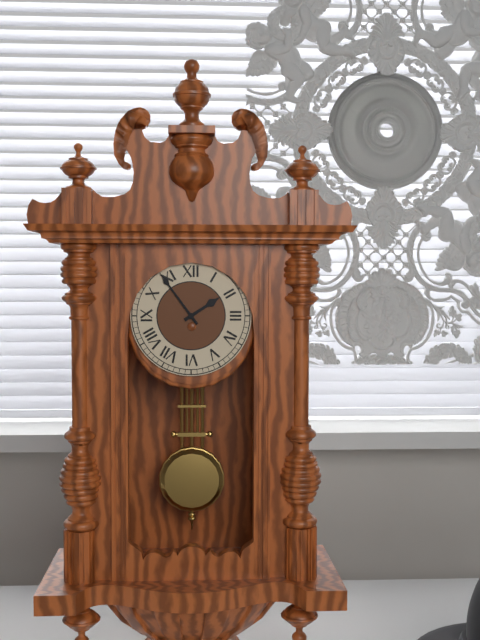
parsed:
1:54
